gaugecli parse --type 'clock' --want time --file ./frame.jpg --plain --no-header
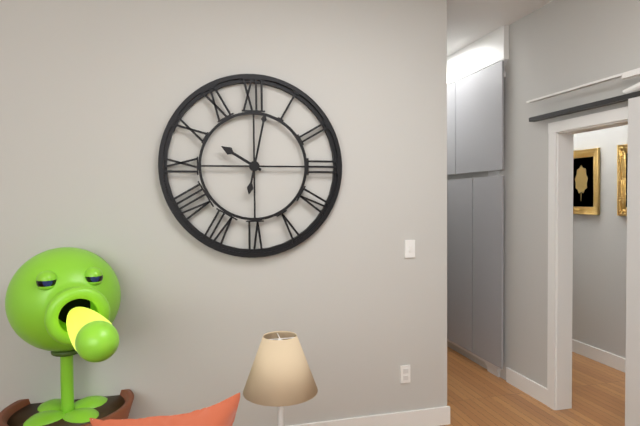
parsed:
10:02
